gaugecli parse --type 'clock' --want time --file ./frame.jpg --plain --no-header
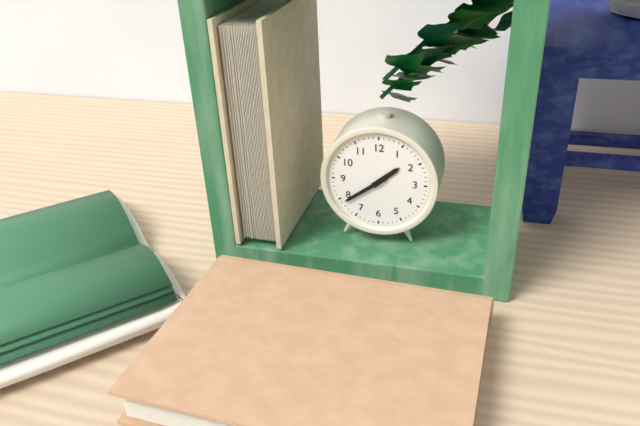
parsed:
1:39
